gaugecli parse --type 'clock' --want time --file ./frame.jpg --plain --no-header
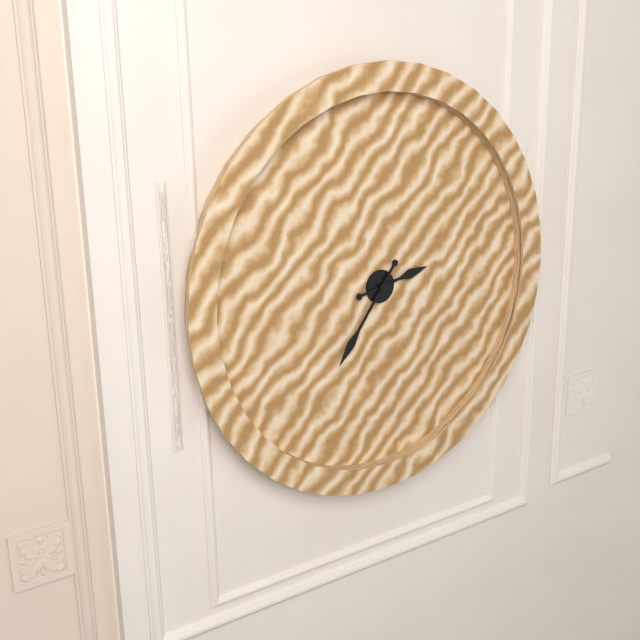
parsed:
2:36
